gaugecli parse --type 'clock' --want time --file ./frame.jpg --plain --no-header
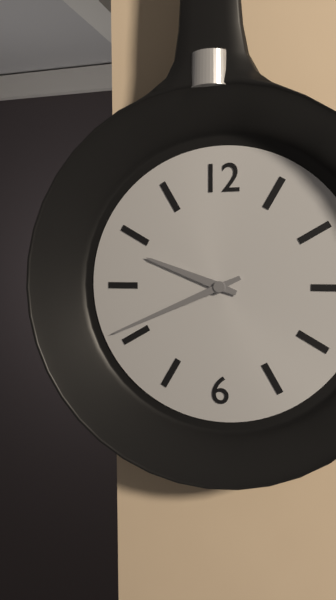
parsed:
9:41
